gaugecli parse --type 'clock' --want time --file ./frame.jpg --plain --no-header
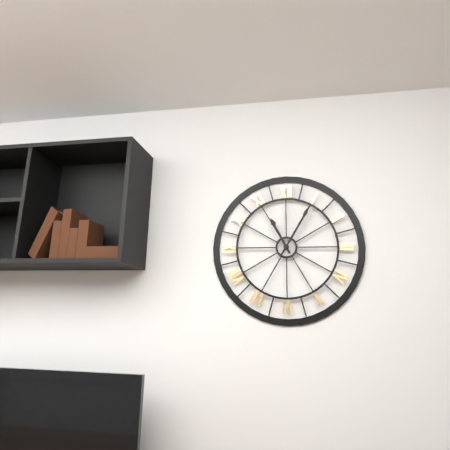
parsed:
11:05
